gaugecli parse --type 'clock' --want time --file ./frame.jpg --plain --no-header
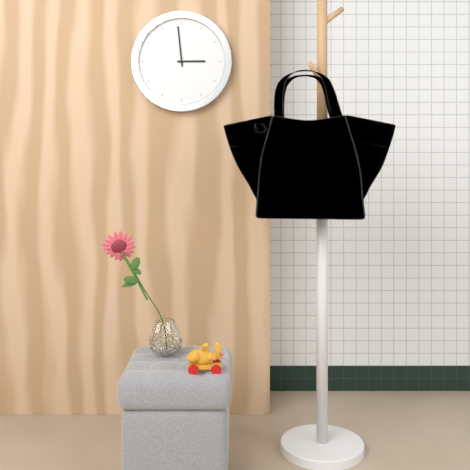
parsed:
2:59
